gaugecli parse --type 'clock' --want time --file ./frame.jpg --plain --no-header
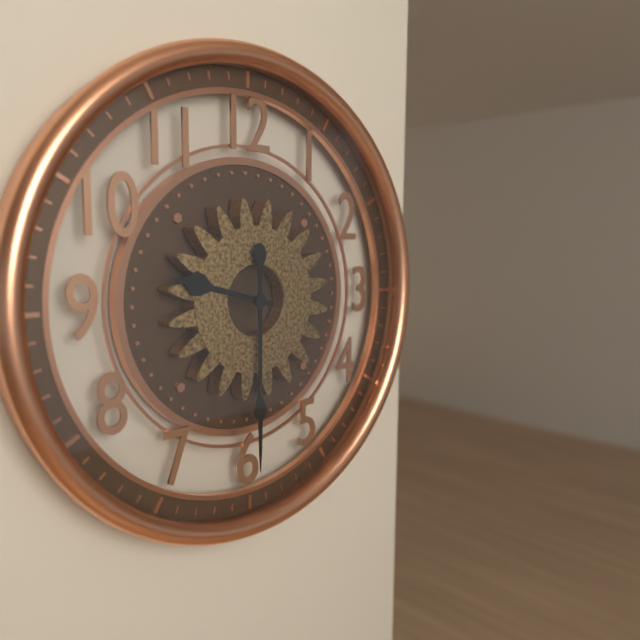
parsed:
9:30
